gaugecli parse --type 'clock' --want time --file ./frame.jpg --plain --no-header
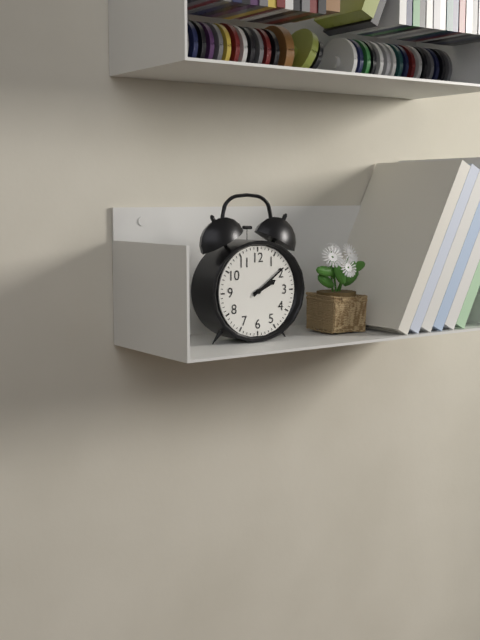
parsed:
2:09
